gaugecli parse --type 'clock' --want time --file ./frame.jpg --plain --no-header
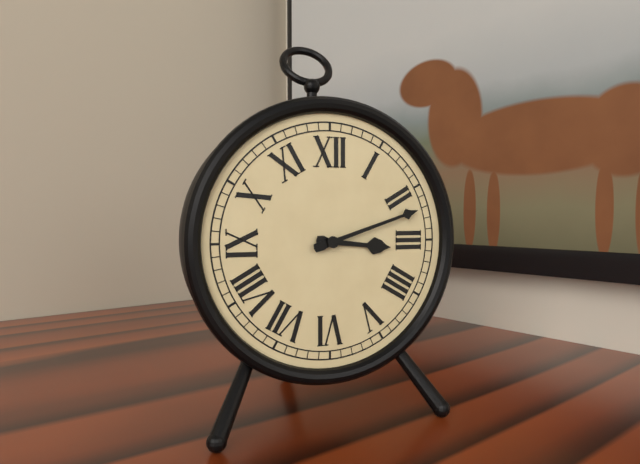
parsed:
3:12
